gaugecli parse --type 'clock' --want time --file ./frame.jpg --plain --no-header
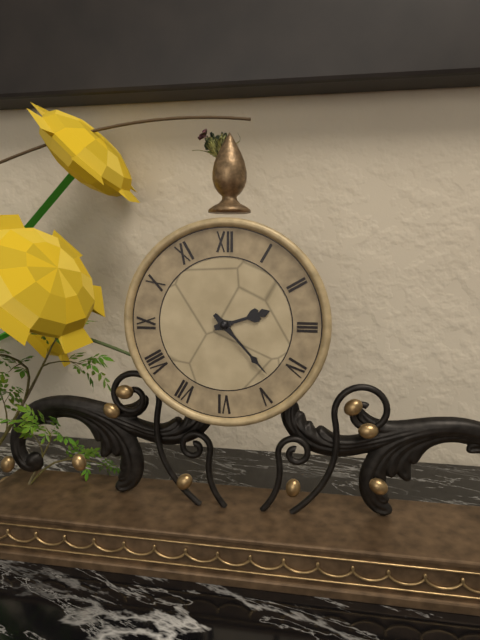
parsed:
2:23
